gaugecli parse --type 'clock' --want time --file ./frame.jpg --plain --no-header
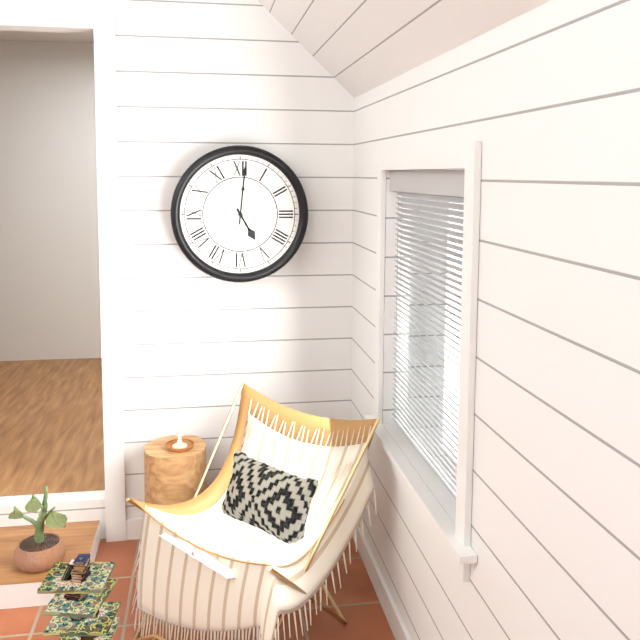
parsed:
5:01
